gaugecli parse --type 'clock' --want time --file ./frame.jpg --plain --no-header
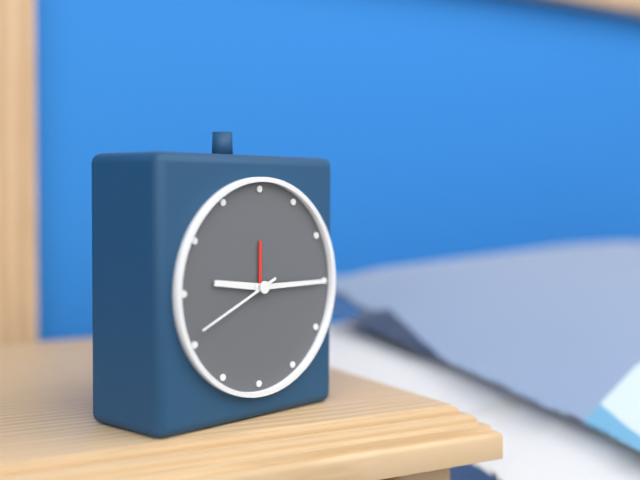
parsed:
9:15:41
